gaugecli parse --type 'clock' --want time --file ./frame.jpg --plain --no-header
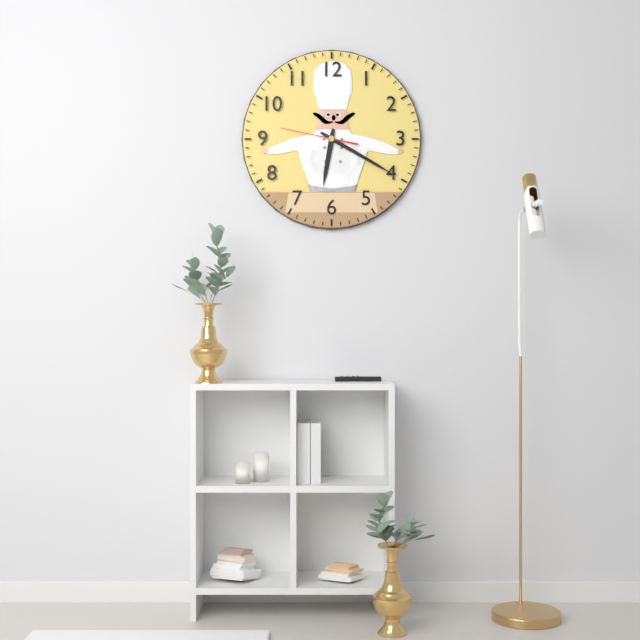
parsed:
6:20:47
